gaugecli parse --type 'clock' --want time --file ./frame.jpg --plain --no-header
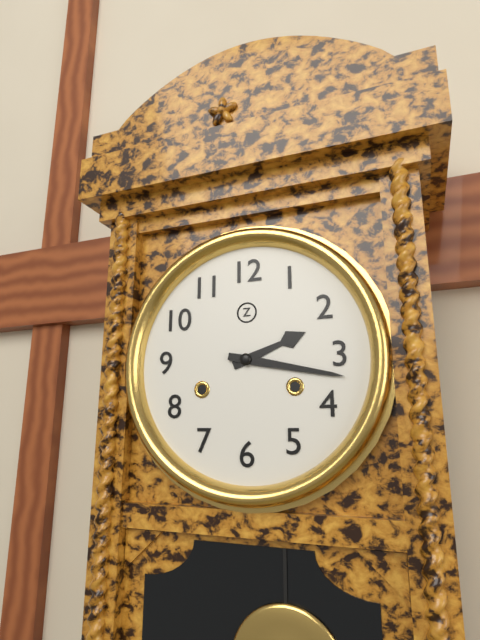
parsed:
2:17
